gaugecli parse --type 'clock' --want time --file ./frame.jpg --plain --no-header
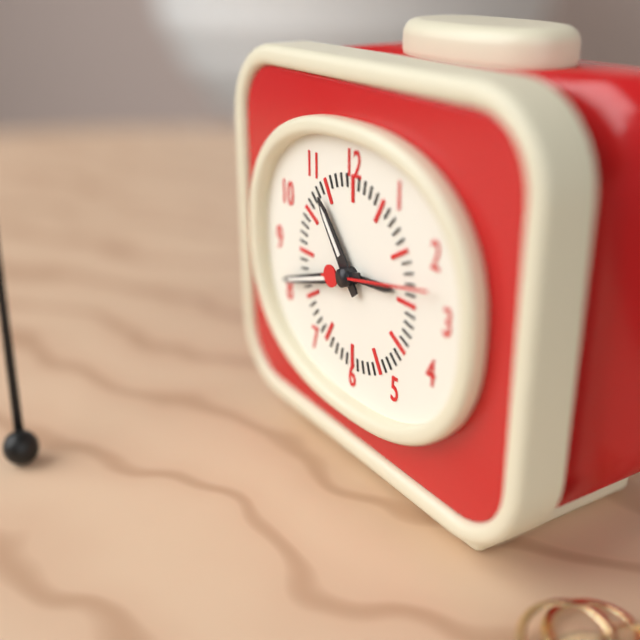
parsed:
10:42:13
